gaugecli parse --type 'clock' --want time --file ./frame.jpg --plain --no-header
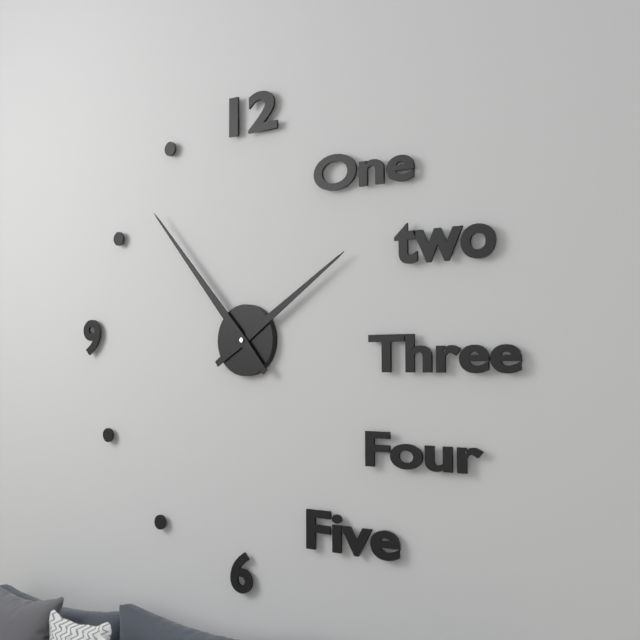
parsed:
1:53
